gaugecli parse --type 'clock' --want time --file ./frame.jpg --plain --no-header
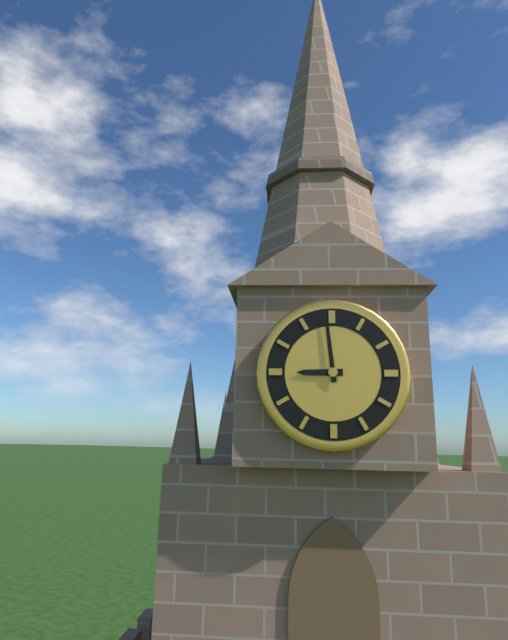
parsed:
8:59
